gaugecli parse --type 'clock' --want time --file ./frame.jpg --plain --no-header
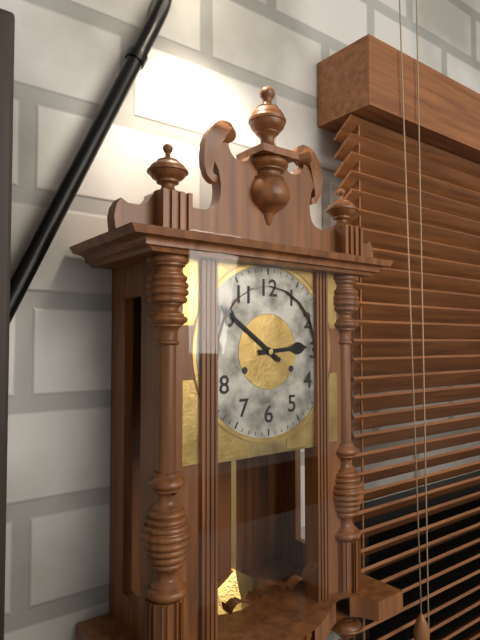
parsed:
2:51
